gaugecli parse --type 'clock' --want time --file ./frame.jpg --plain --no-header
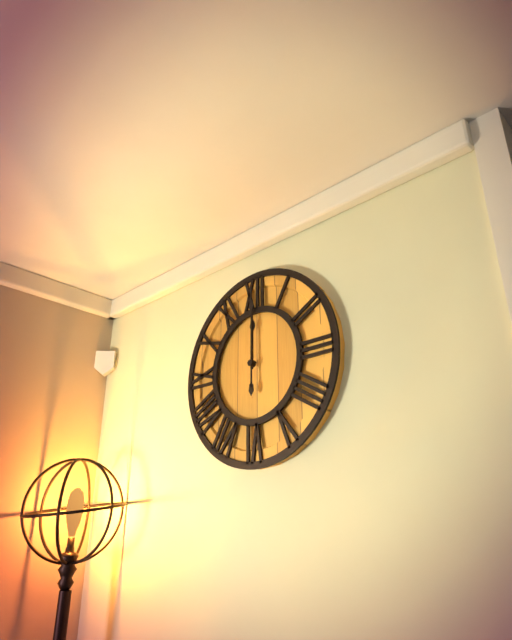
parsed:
12:00
